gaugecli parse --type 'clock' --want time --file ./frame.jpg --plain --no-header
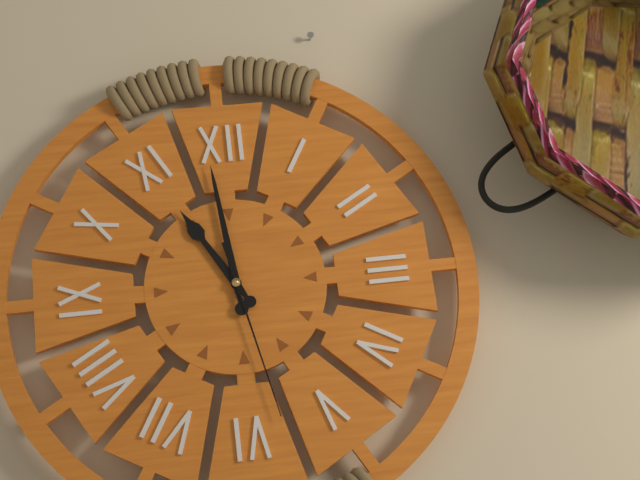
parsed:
10:59:28
